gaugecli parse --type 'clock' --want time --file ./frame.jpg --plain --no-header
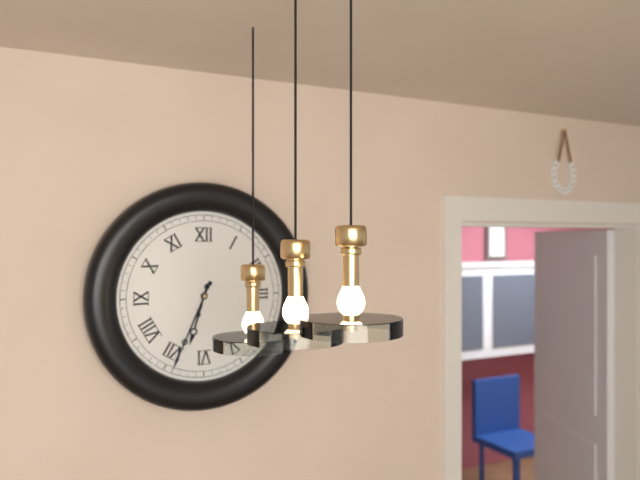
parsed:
6:34
